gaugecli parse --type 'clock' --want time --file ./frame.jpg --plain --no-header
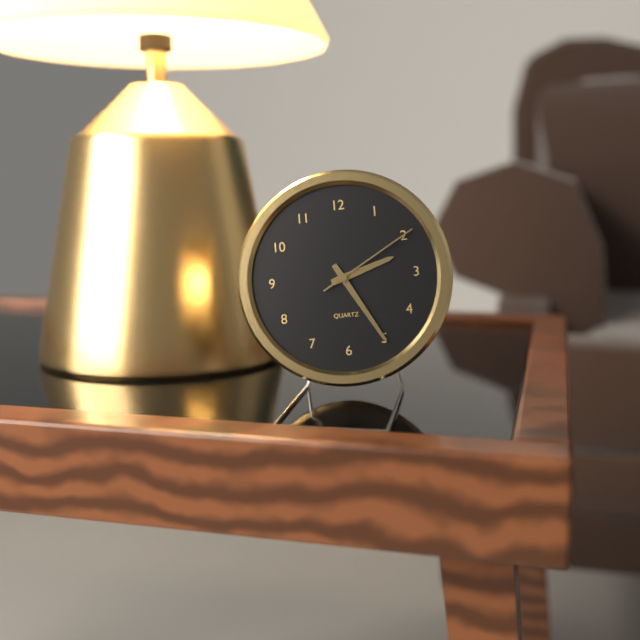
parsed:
2:25:10
